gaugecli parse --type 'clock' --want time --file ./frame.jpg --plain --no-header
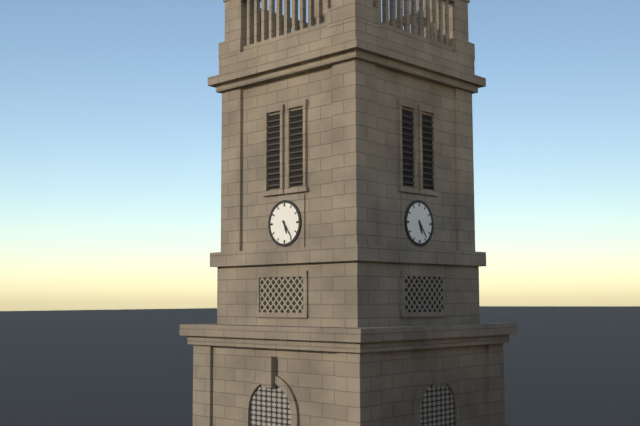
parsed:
5:24
